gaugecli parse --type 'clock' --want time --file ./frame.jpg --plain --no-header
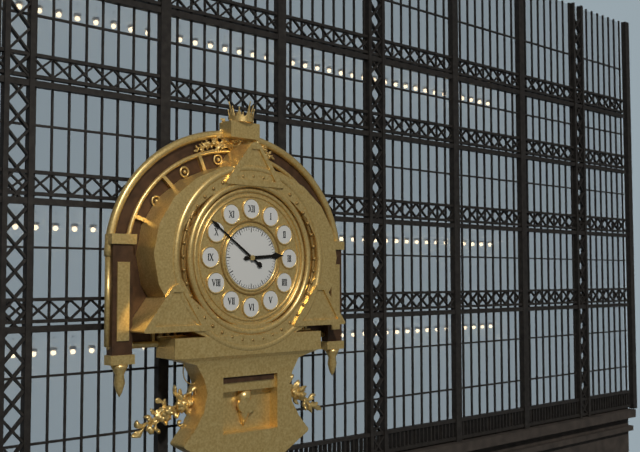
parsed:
2:51
